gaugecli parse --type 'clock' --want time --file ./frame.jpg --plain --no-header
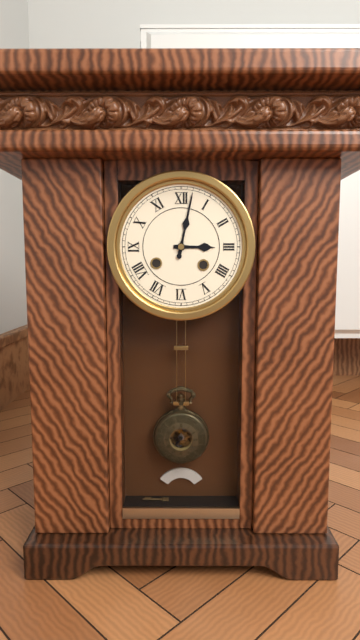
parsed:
3:02
